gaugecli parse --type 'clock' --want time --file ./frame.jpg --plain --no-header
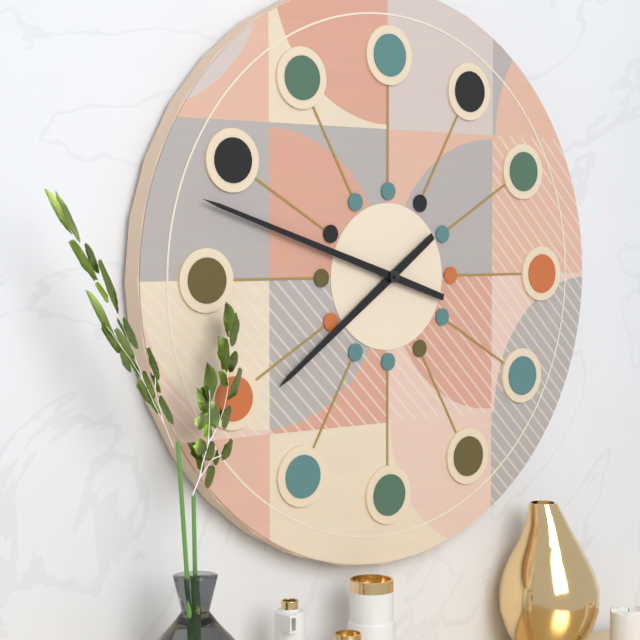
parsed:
7:48
